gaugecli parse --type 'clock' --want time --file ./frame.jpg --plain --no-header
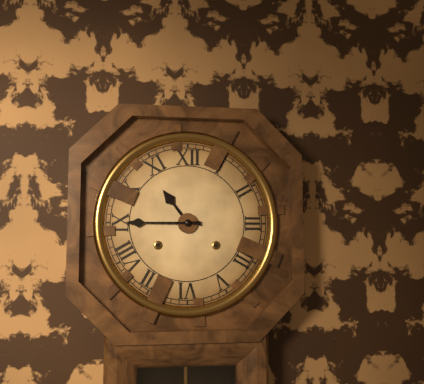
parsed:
10:45
